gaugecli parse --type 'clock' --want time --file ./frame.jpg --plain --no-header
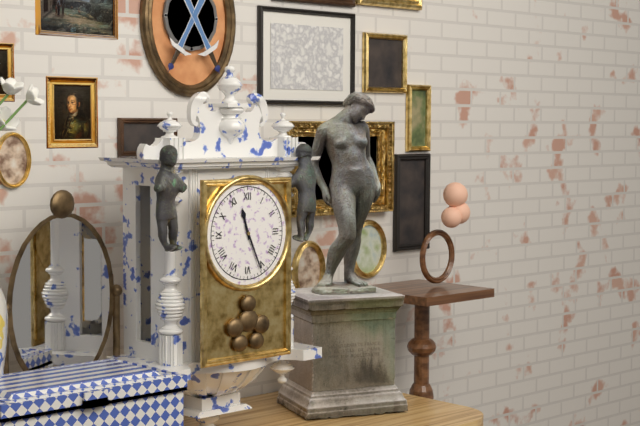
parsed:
11:26
